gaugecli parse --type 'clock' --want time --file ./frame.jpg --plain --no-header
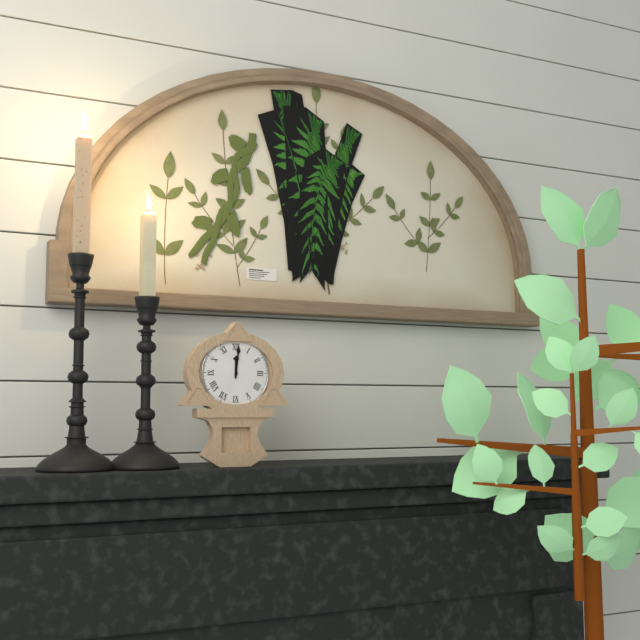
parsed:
12:01
